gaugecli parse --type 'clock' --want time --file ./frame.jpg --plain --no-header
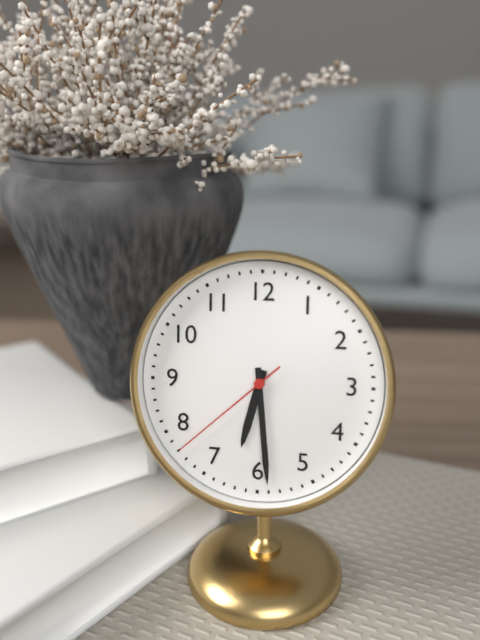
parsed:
6:29:38
